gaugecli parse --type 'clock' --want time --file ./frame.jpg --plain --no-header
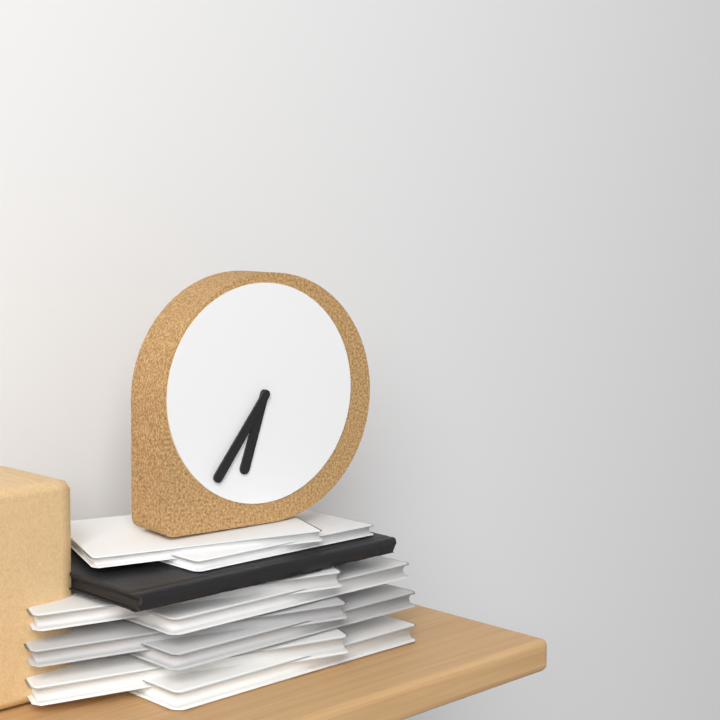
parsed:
6:36
